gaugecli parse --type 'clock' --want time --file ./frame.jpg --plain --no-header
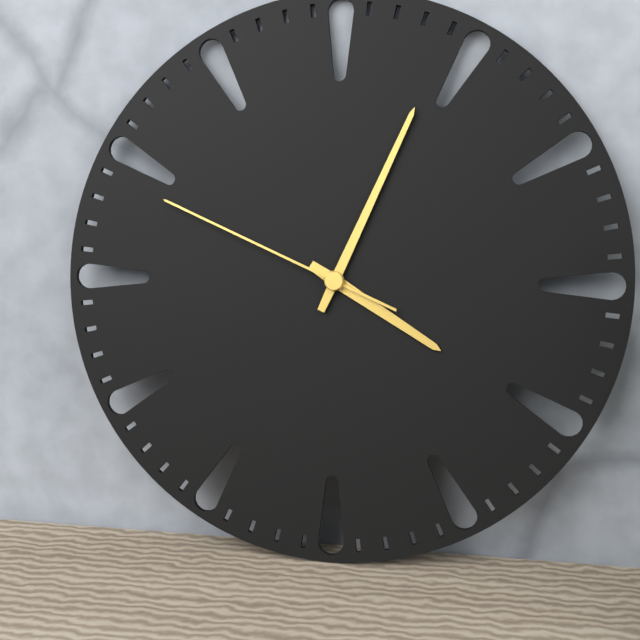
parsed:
4:04:49
